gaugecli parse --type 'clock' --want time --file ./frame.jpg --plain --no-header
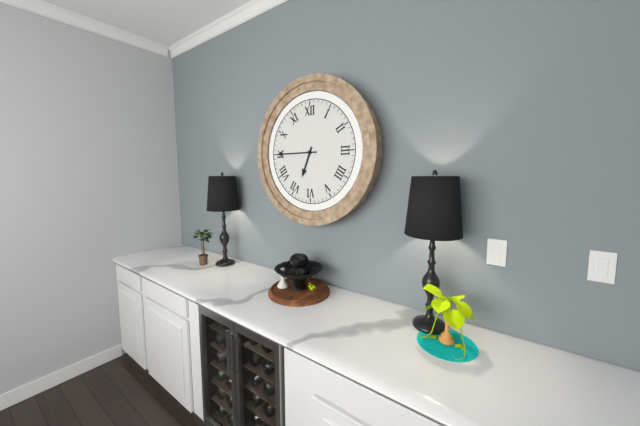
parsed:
6:45
